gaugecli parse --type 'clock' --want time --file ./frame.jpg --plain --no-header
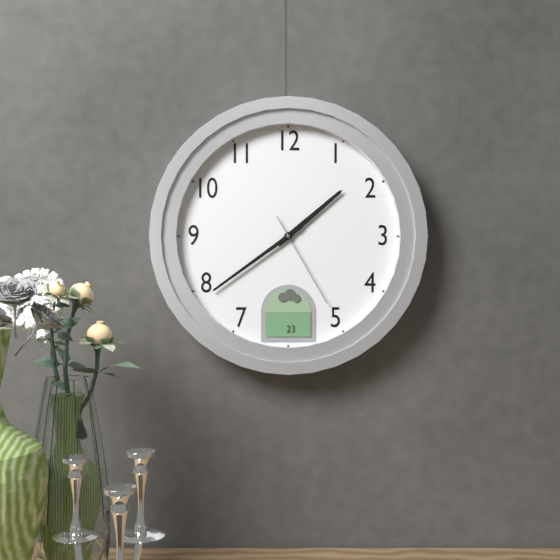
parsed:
1:39:25
